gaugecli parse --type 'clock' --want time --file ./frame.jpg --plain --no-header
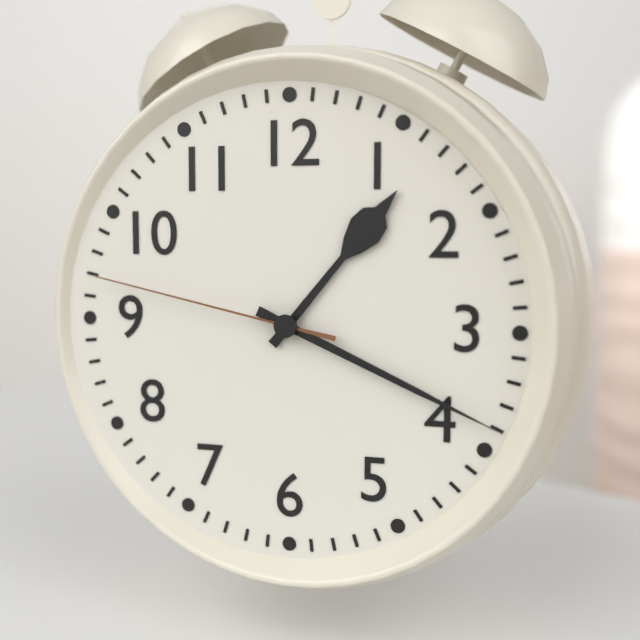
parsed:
1:19:47
